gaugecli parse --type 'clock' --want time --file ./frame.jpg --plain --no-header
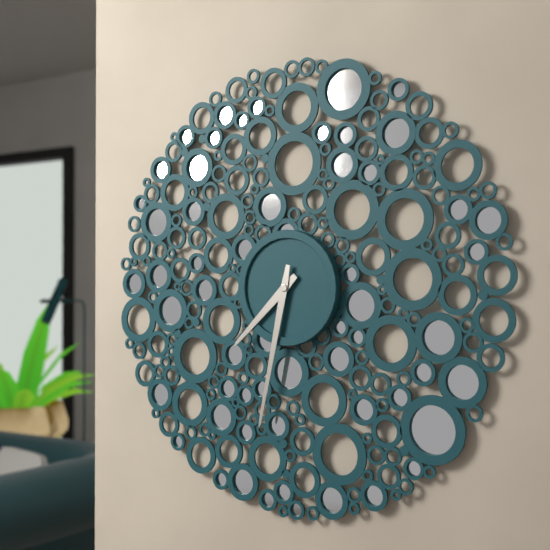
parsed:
7:32
